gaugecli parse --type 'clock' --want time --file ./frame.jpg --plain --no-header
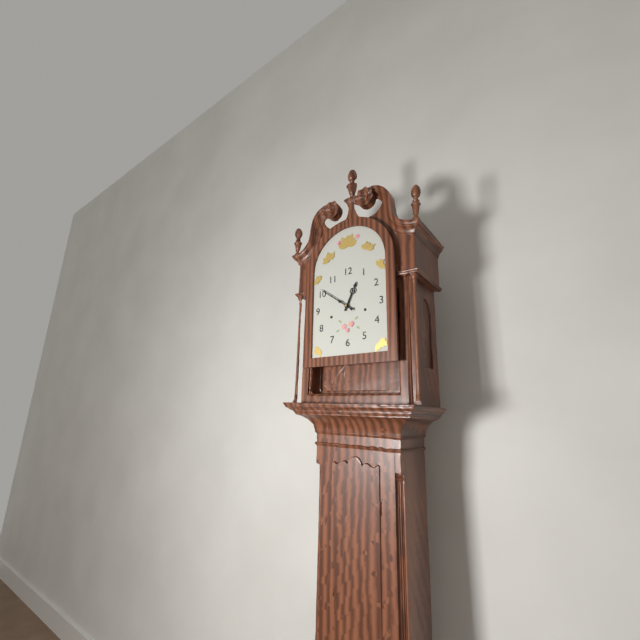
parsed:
12:51
